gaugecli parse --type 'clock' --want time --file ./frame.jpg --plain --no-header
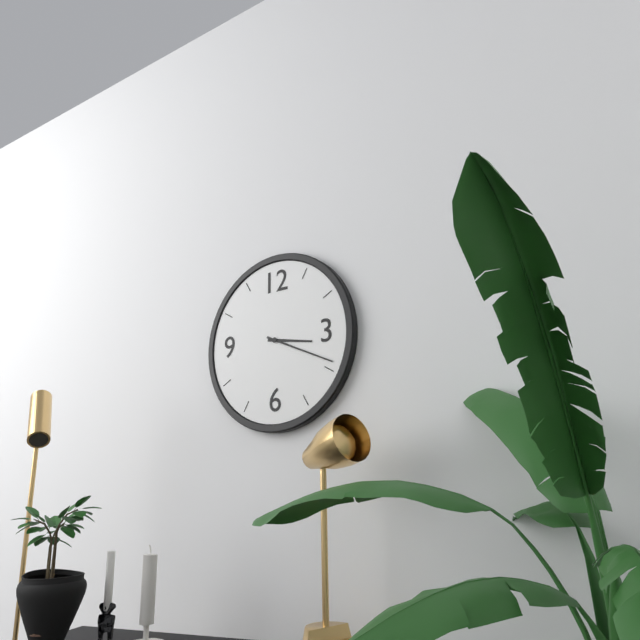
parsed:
3:19
